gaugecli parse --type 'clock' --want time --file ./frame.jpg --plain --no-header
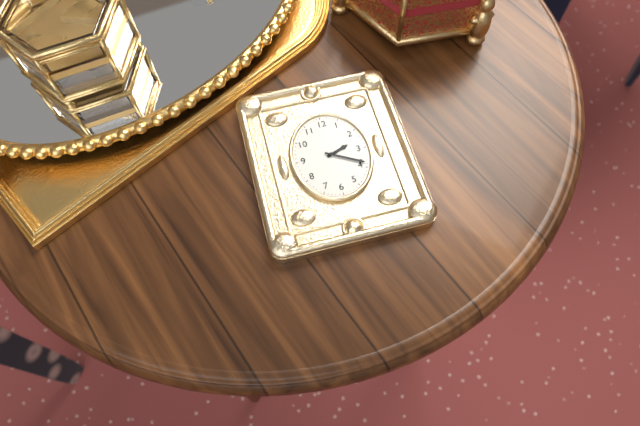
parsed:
2:20
